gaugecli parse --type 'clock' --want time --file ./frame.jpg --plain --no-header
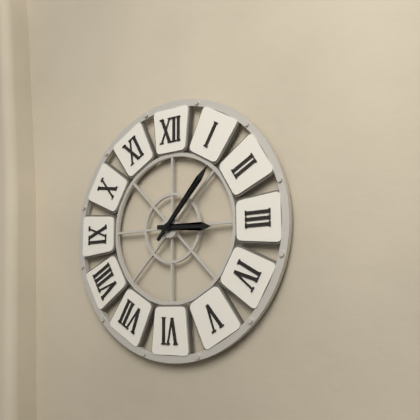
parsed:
3:07
